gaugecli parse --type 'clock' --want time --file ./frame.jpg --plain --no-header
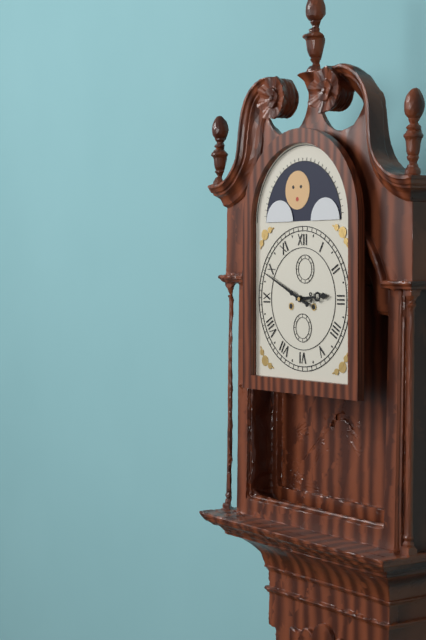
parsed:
2:49
